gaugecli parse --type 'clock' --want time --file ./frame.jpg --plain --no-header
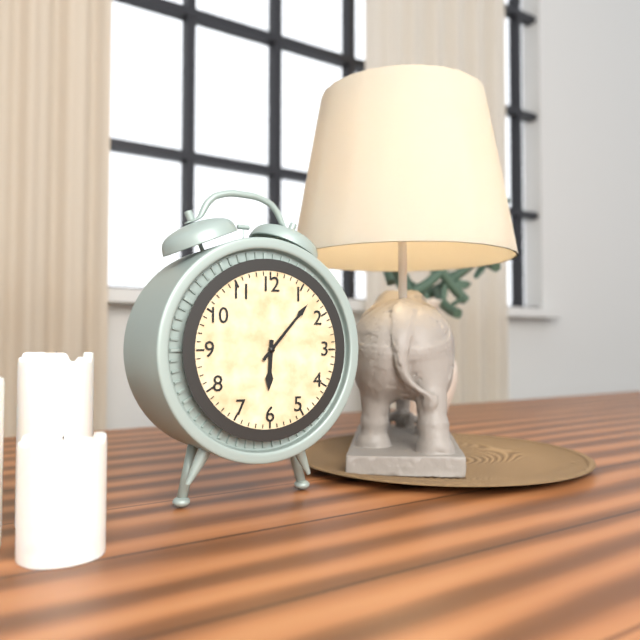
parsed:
6:07
